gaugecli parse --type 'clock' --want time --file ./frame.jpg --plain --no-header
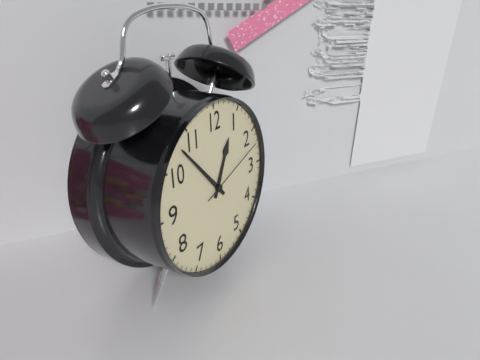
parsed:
12:53:12
